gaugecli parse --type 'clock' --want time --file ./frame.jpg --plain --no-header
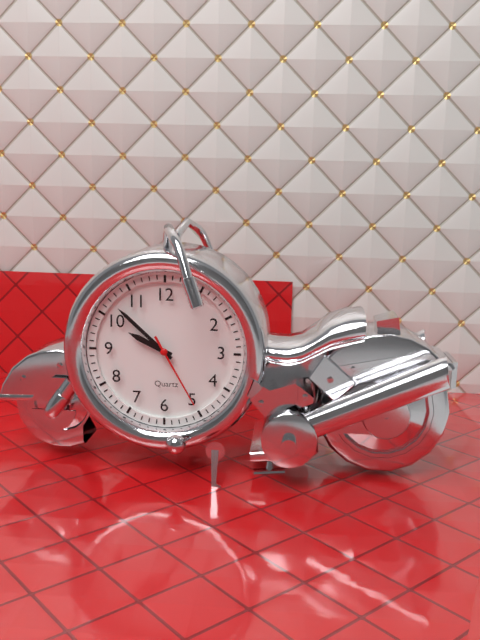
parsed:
9:52:25
